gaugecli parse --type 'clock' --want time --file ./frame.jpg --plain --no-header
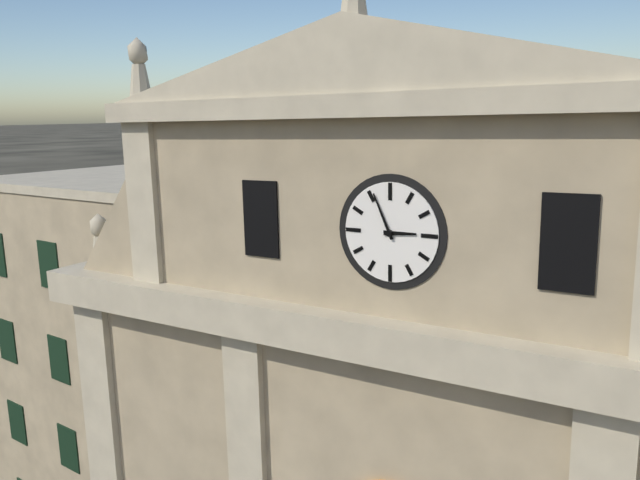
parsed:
2:56
